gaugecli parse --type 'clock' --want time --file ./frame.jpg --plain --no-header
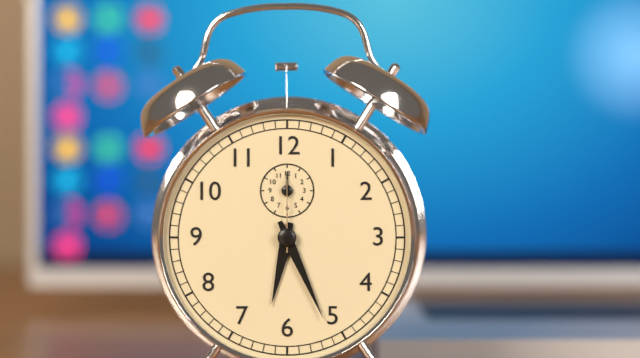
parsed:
6:26:00
